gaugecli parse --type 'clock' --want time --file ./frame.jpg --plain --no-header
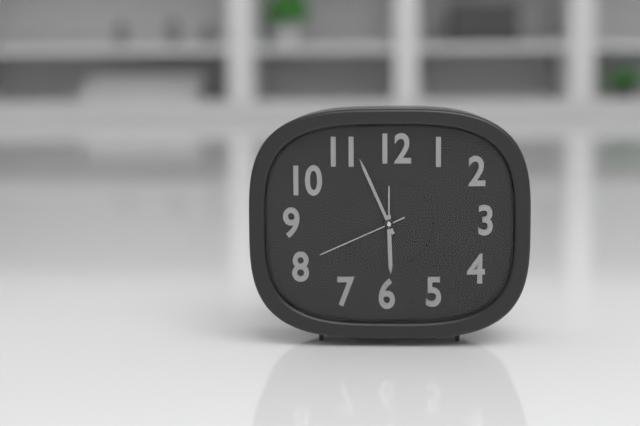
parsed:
5:56:41
